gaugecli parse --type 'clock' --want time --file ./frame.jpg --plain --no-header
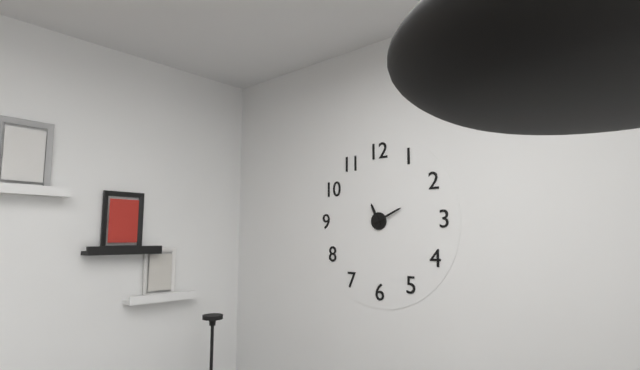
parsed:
11:11
